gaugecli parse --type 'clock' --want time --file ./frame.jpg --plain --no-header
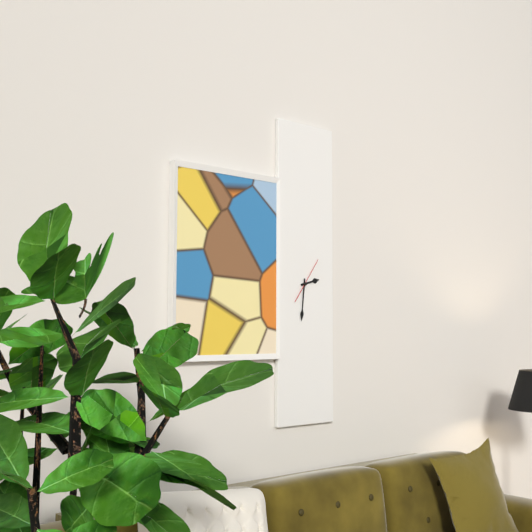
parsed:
2:31
